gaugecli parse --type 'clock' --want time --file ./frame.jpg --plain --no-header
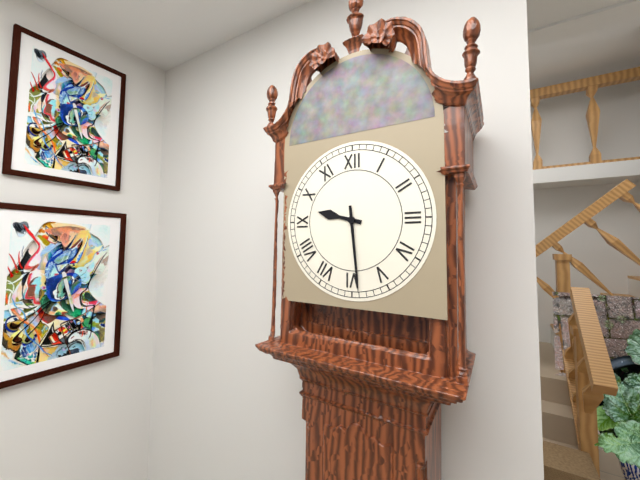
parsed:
9:29
